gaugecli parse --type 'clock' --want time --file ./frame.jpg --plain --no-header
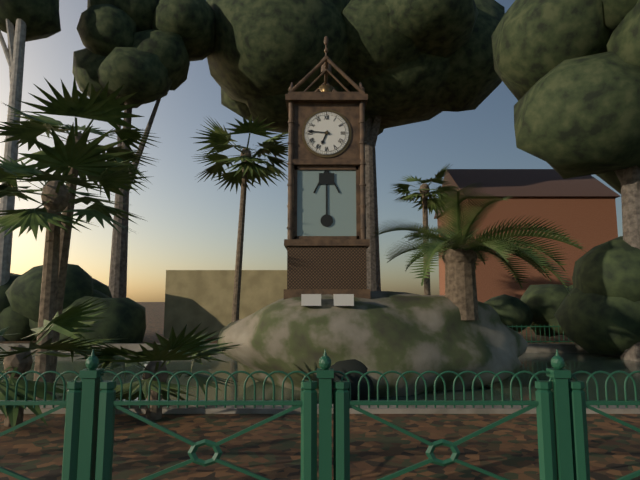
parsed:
6:46
